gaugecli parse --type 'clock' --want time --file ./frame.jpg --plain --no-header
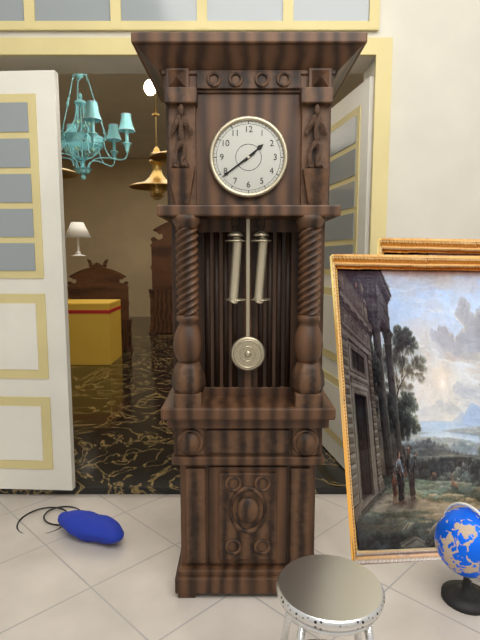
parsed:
1:39
